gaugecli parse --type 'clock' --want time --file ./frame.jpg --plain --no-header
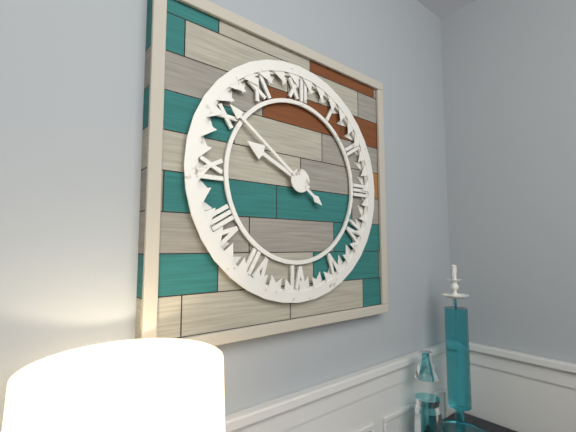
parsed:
9:51
